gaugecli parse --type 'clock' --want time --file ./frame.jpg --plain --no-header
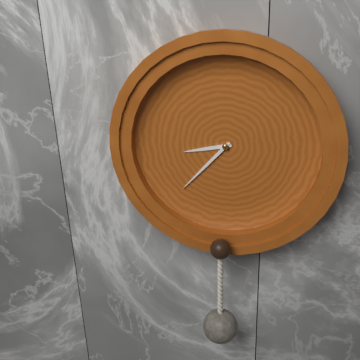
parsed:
8:37
